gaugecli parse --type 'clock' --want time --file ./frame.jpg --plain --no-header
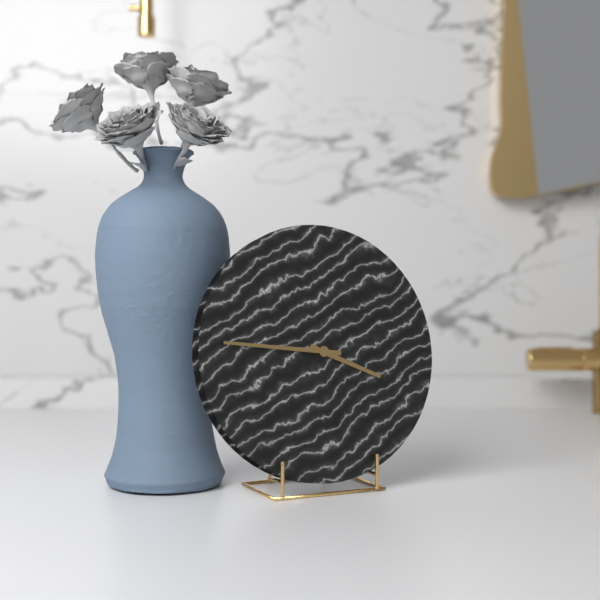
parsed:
3:46
